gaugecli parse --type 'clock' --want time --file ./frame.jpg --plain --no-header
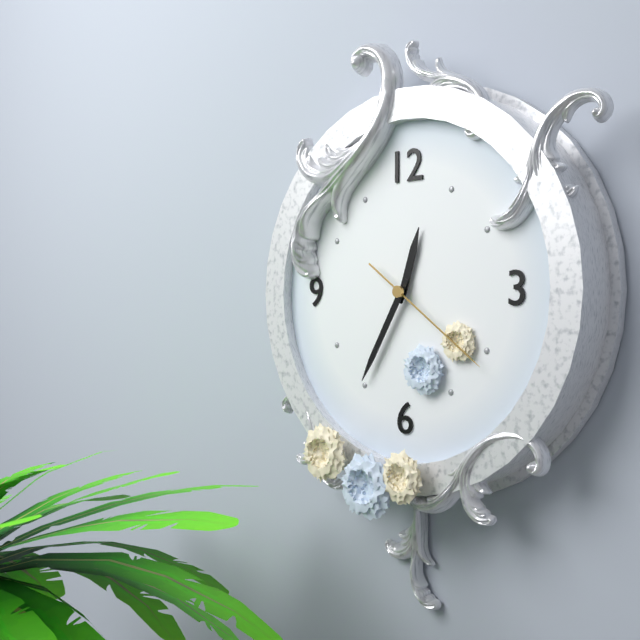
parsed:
12:35:21
